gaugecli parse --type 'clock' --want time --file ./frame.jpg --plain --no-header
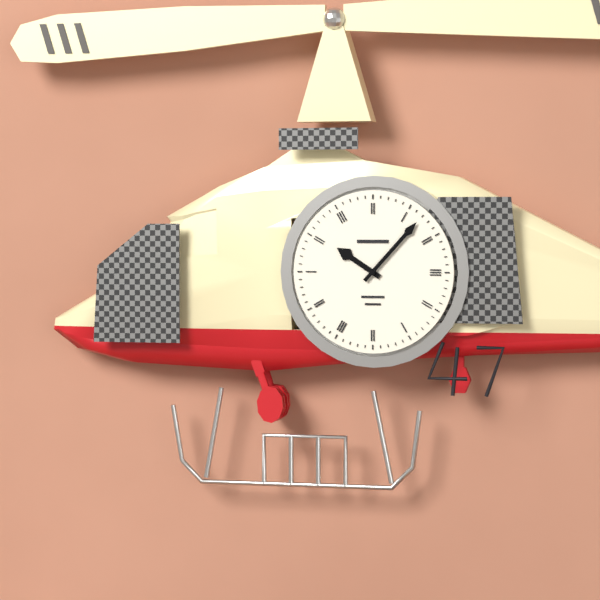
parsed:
10:07
